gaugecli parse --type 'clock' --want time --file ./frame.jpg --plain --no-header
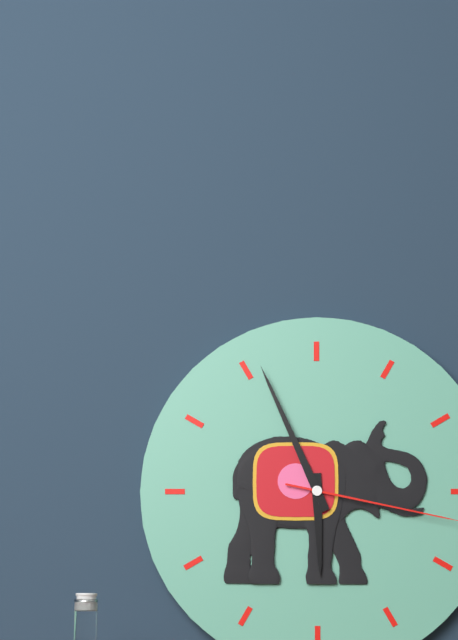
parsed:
5:56
